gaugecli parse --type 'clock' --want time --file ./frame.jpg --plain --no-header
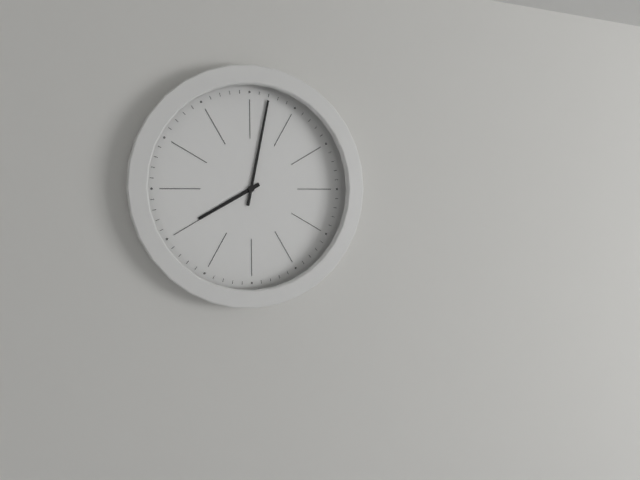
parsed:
8:02
